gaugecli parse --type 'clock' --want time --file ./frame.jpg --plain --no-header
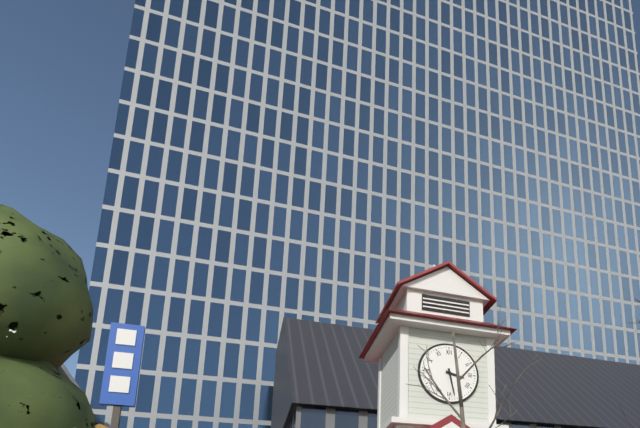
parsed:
3:28
